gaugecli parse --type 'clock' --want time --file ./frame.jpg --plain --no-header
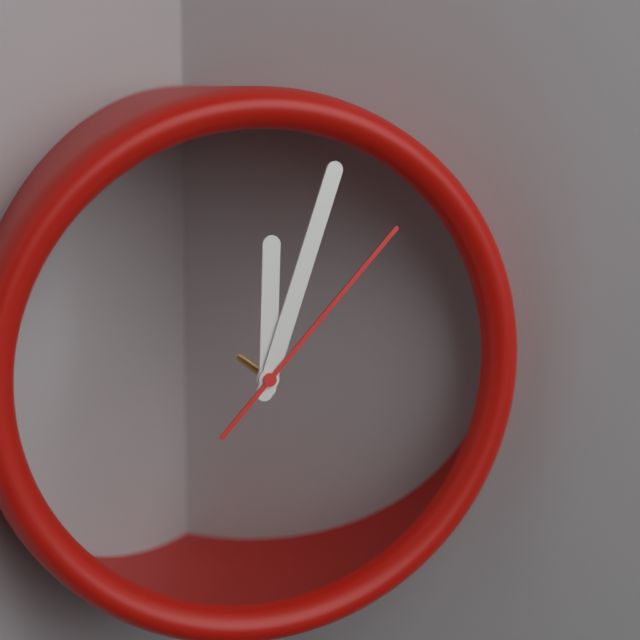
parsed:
12:03:07
